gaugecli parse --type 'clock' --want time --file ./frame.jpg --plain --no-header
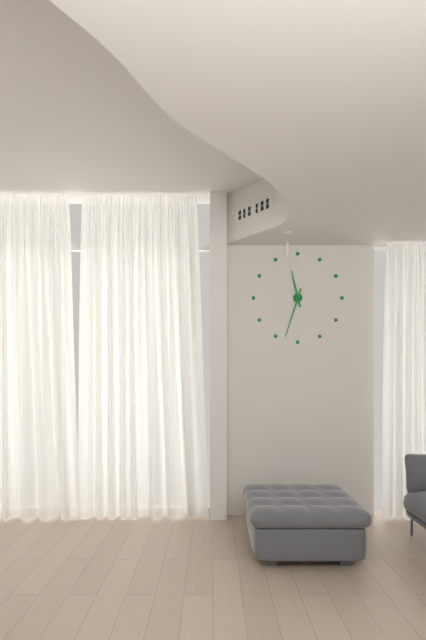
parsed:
11:33
